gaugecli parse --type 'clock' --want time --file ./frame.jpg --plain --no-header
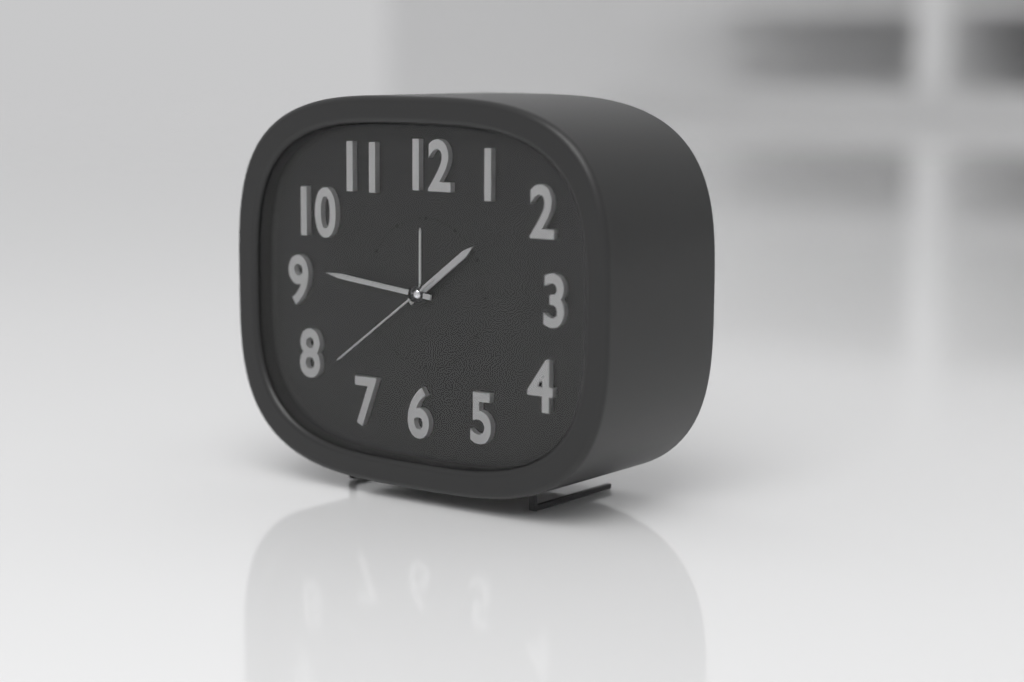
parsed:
1:46:39
